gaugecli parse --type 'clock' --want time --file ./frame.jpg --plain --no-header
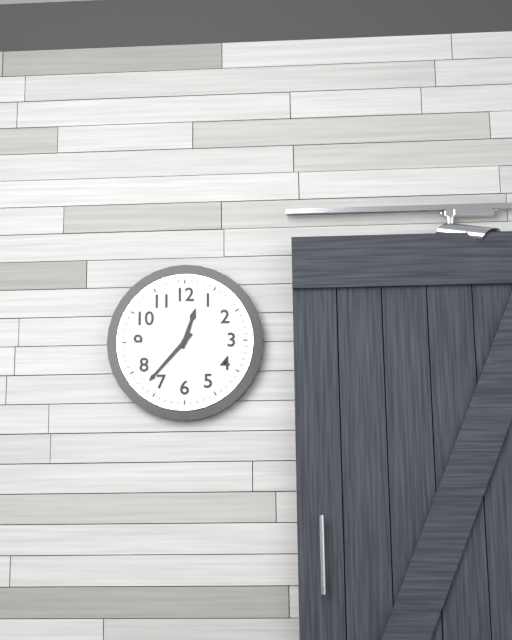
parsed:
12:37
